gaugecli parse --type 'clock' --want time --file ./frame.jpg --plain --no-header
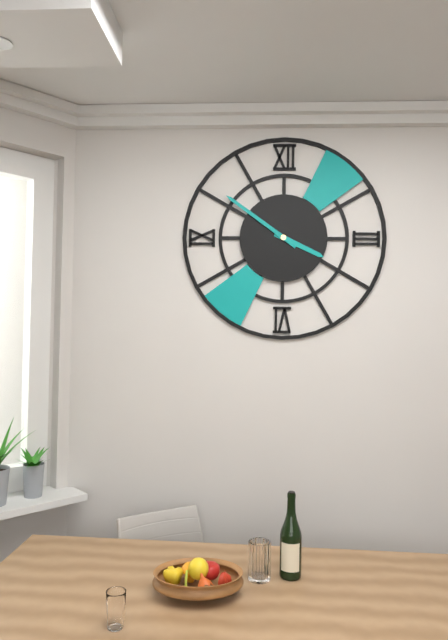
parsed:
3:51
